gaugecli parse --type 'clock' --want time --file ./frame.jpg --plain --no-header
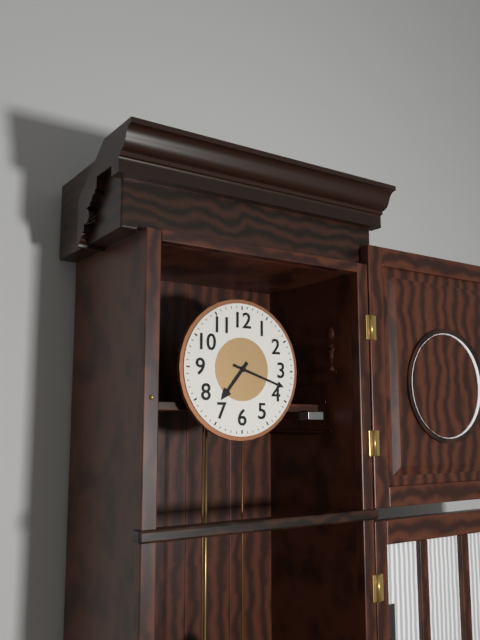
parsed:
7:18
